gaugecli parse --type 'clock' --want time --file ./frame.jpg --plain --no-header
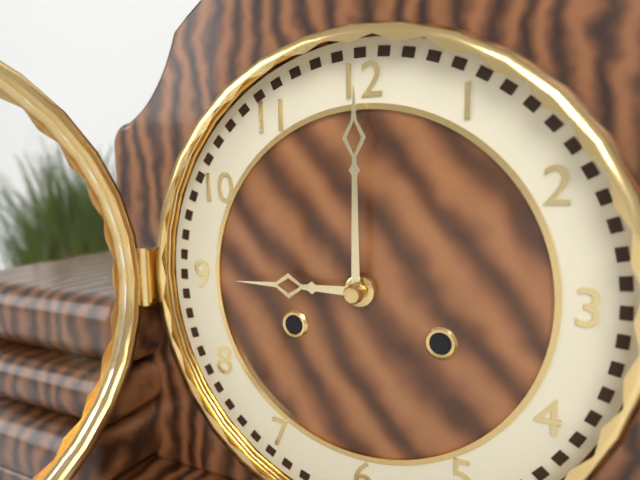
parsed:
9:00
